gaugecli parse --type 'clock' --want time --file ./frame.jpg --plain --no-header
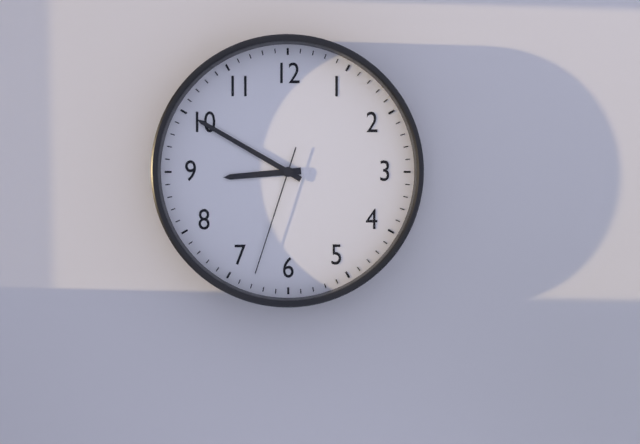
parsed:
8:50:33
